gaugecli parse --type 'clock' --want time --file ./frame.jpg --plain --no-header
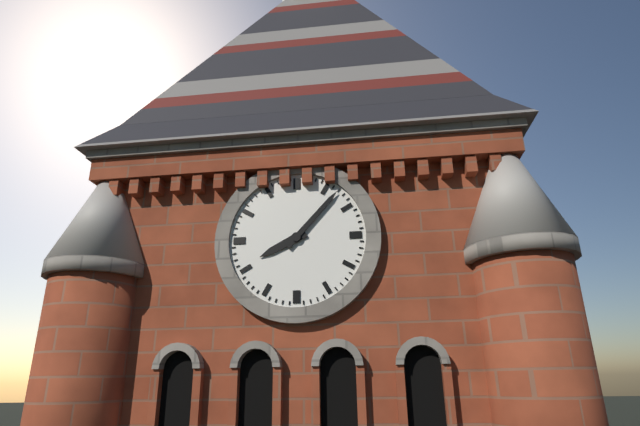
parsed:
8:07
